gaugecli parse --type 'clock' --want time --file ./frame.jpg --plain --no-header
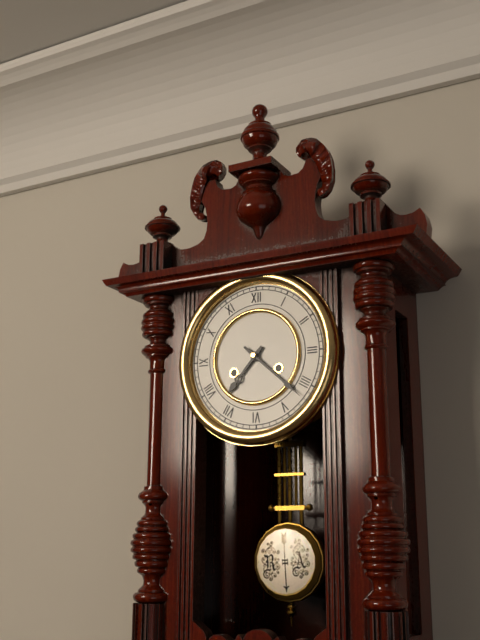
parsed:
7:22
